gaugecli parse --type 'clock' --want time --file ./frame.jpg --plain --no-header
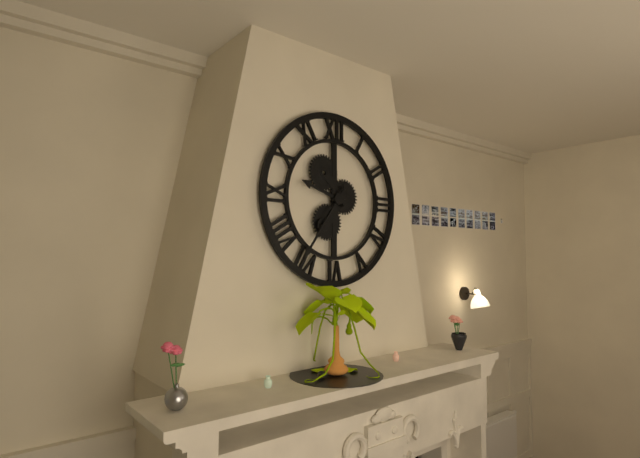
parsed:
9:36
